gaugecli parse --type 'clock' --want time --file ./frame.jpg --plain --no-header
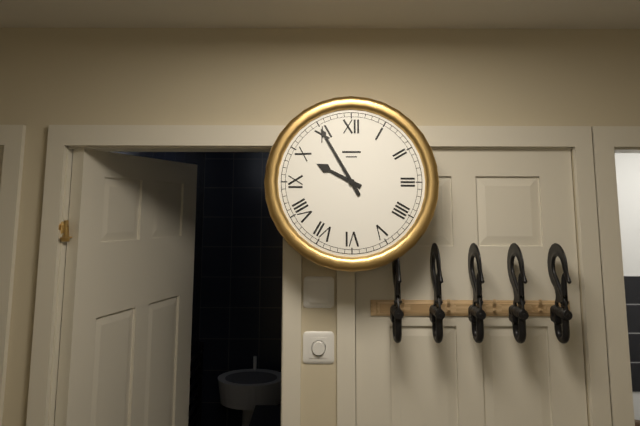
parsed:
9:55
